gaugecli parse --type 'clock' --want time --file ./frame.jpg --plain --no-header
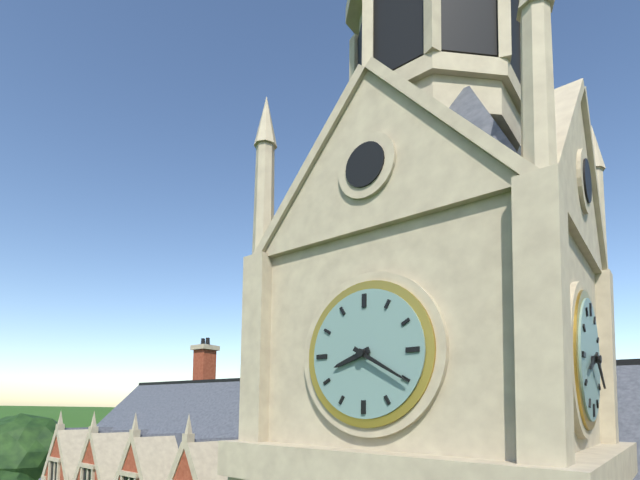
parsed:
8:20
